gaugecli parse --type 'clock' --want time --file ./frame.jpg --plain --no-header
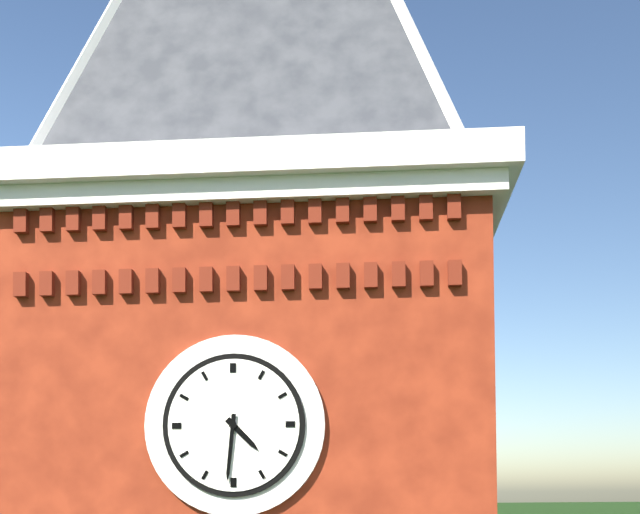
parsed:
4:31
